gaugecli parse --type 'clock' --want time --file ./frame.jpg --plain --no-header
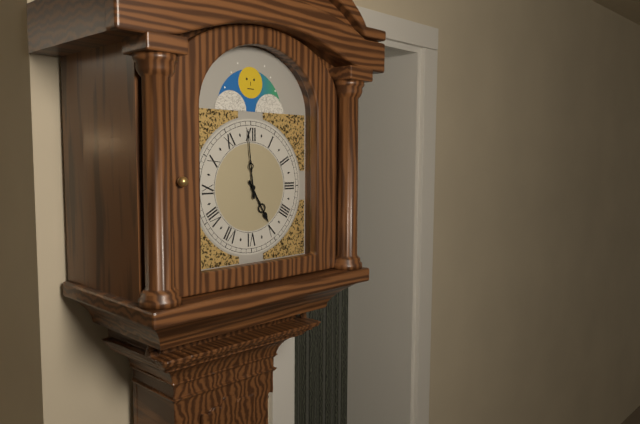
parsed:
4:59
